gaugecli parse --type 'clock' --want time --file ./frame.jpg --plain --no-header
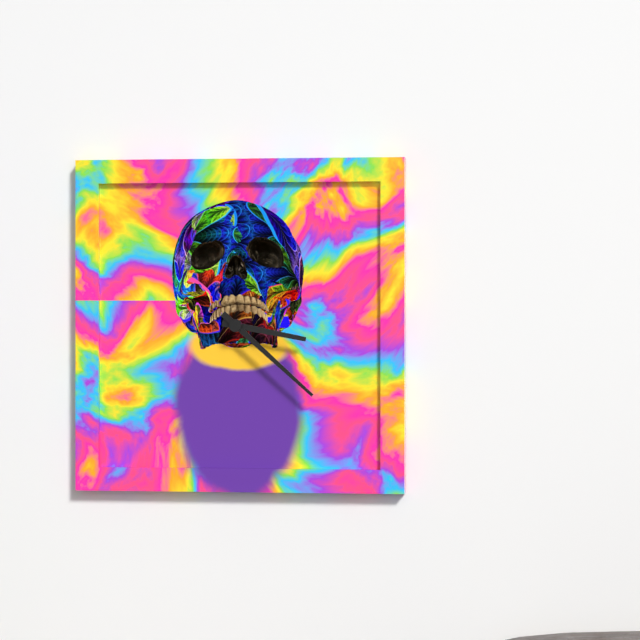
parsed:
3:22
